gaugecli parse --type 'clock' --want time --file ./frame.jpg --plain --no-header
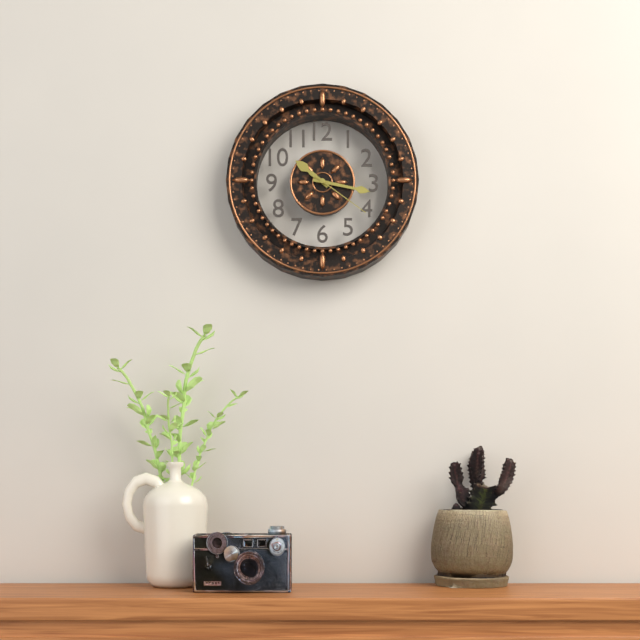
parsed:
10:17:21
